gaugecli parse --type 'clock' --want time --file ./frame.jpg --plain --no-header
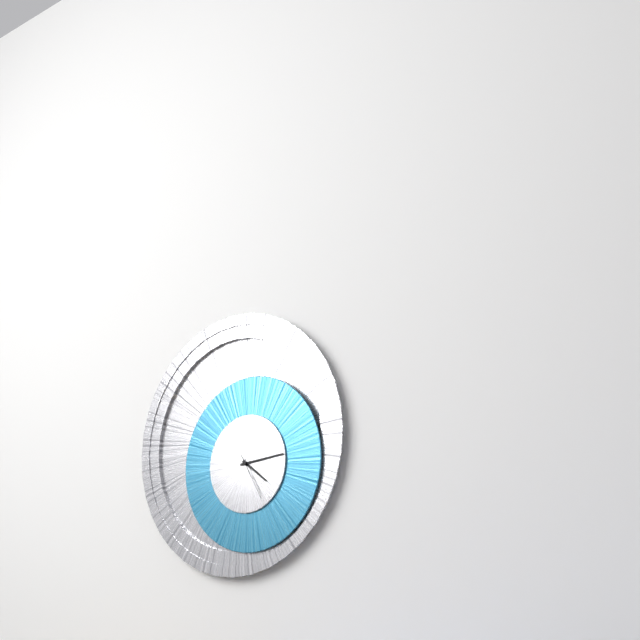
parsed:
4:14
